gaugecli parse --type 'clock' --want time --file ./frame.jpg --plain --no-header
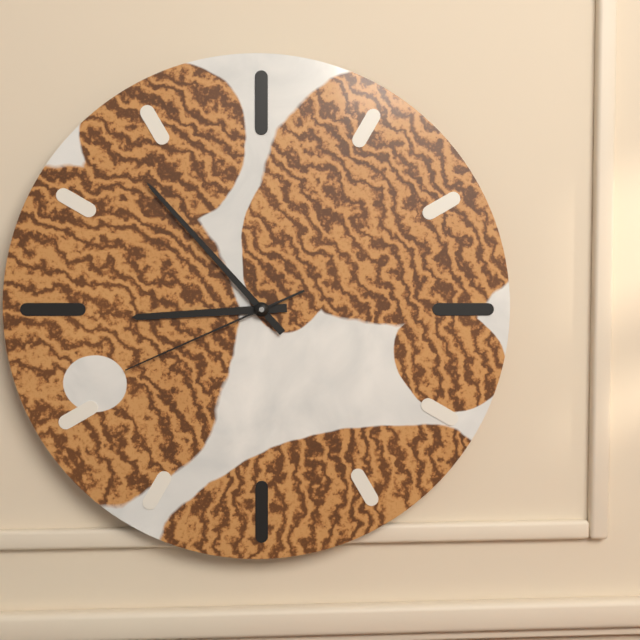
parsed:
8:53:41
